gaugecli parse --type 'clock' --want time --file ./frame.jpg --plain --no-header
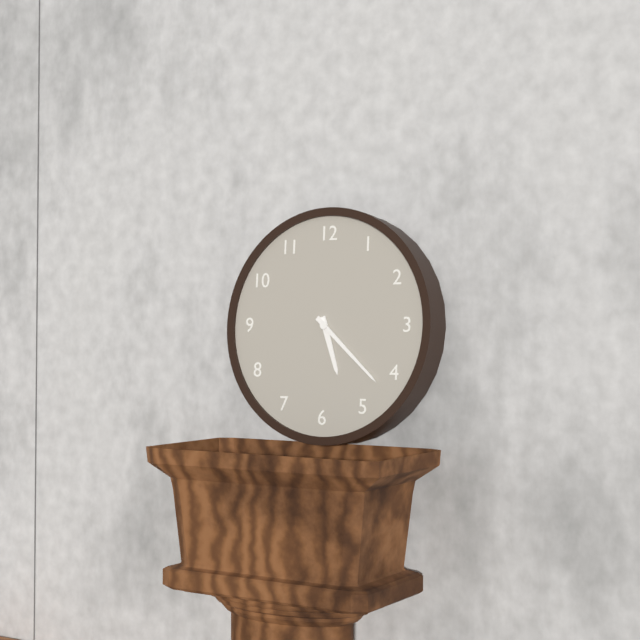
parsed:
5:22
